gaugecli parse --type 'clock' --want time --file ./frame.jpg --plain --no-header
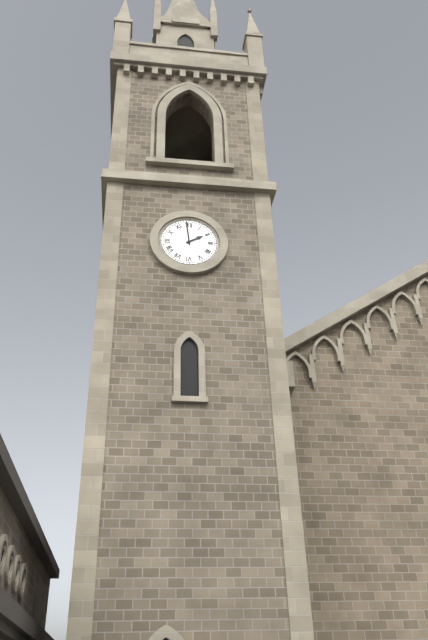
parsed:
1:59
